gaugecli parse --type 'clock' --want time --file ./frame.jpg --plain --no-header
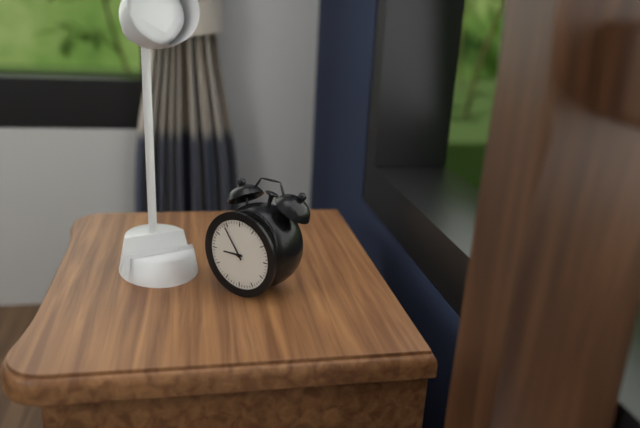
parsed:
8:54
